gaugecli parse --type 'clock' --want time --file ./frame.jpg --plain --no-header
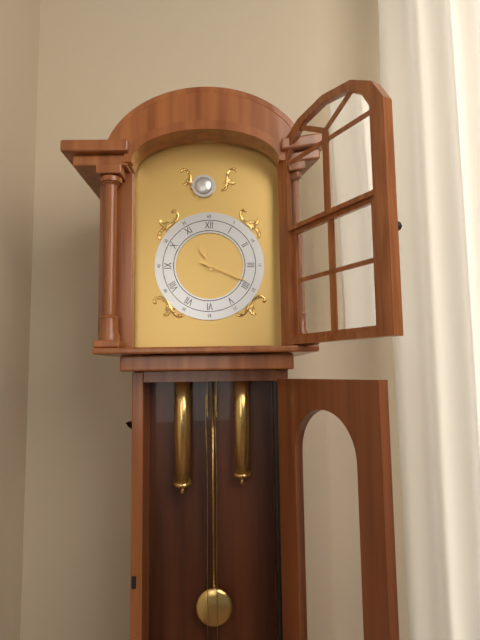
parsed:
11:19
